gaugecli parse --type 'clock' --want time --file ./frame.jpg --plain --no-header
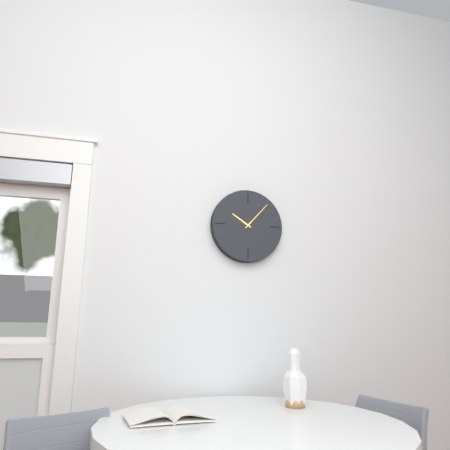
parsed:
10:07
